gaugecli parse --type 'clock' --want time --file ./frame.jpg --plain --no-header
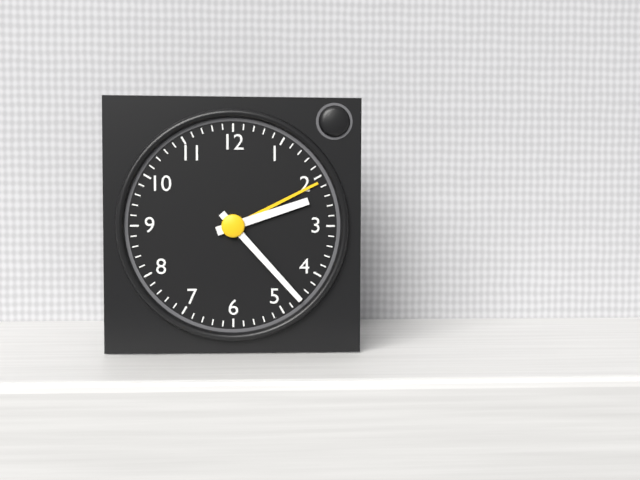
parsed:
2:23
